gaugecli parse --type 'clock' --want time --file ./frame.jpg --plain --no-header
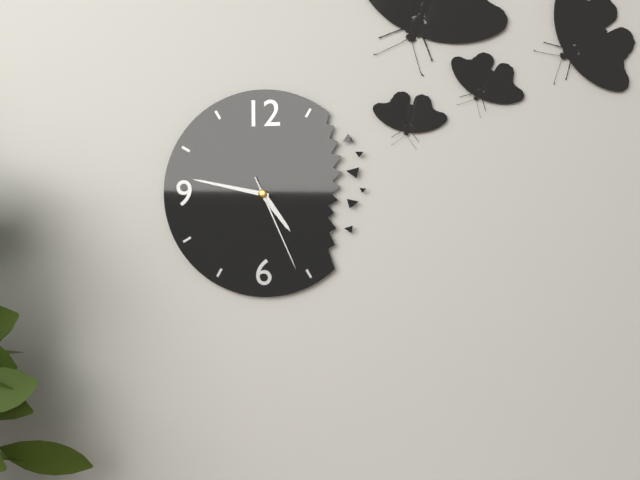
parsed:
4:47:26
